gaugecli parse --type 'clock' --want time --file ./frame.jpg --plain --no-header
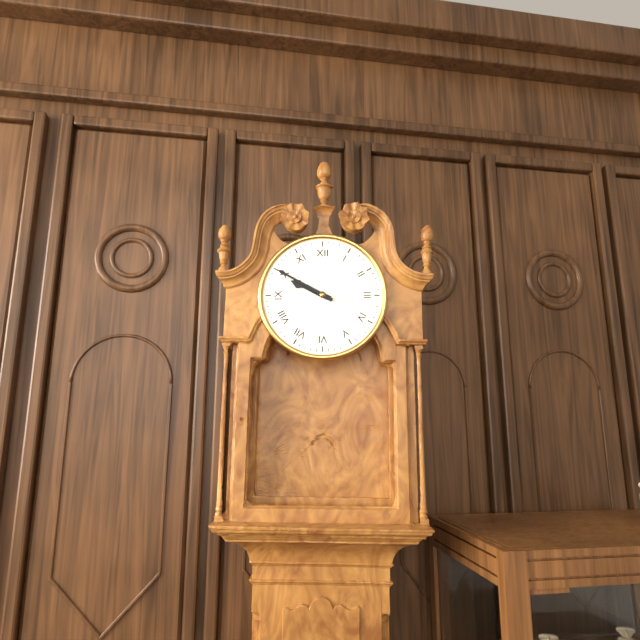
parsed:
9:50
